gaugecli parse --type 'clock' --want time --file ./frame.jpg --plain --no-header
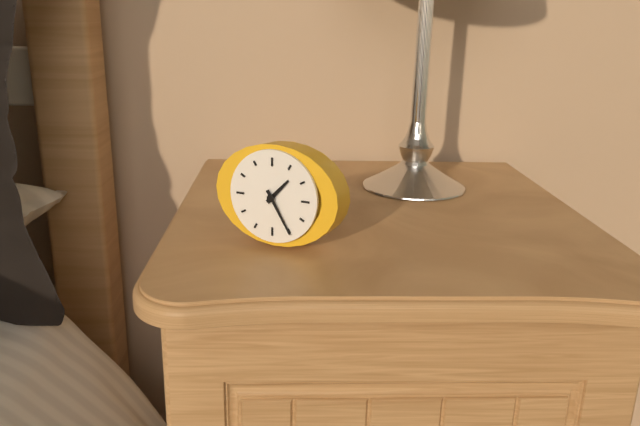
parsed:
1:25
